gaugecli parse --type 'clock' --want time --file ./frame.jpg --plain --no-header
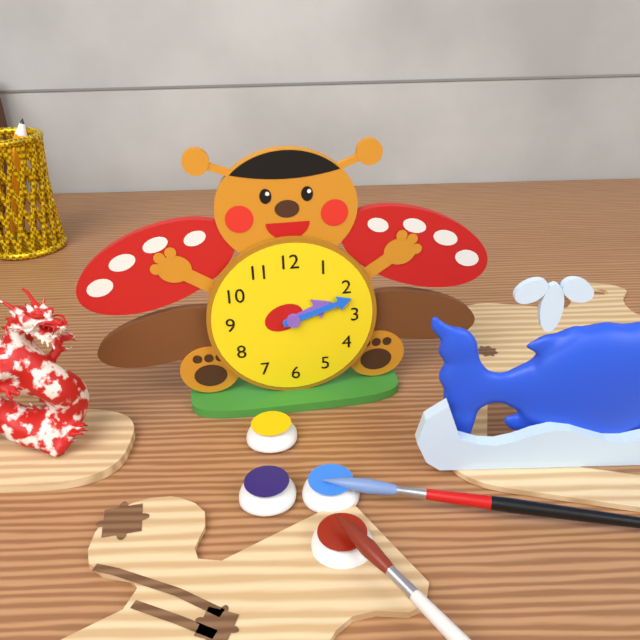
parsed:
2:12
